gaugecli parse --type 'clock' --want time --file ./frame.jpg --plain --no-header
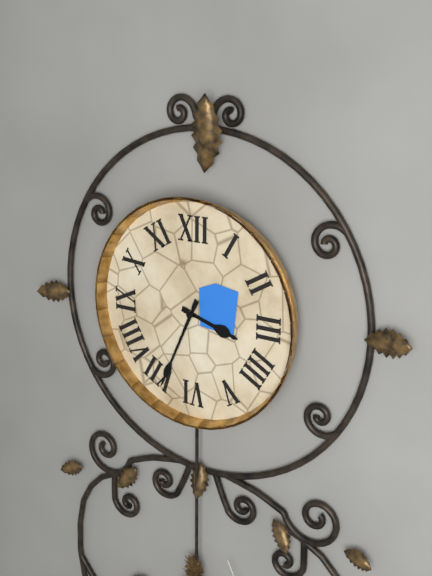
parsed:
3:34
